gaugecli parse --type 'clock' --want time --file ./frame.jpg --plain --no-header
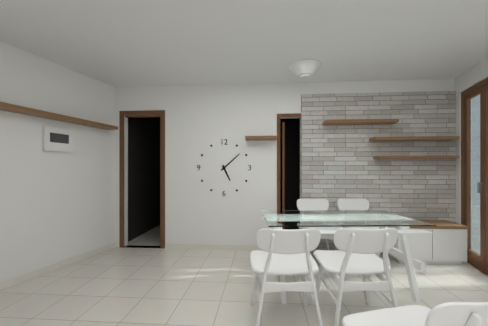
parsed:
5:08
